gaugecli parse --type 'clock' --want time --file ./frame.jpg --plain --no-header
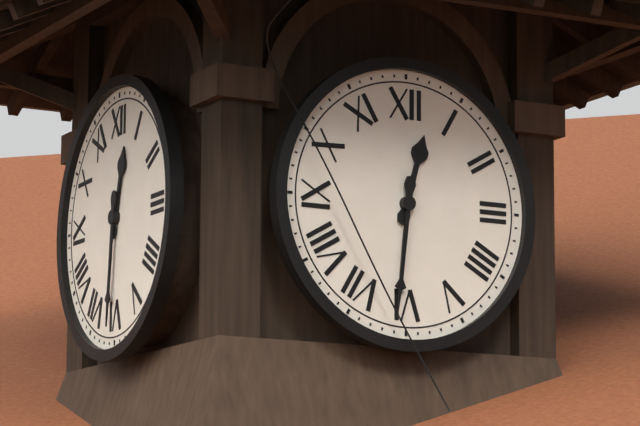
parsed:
12:31
